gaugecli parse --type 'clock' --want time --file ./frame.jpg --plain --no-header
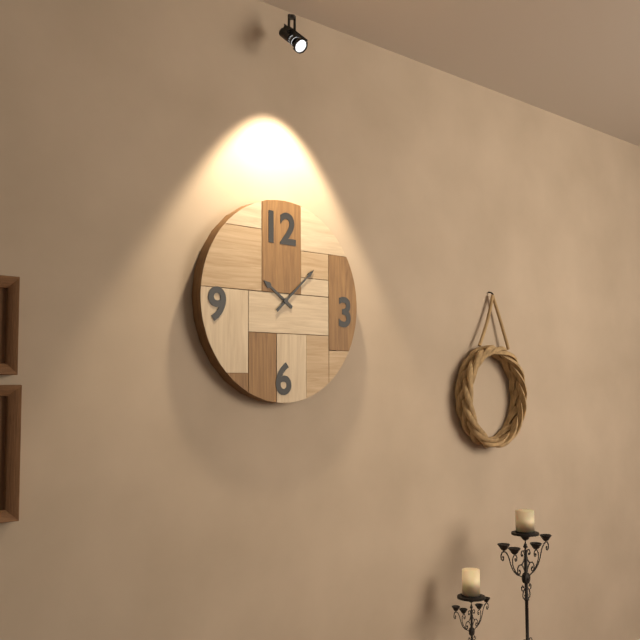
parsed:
10:08
